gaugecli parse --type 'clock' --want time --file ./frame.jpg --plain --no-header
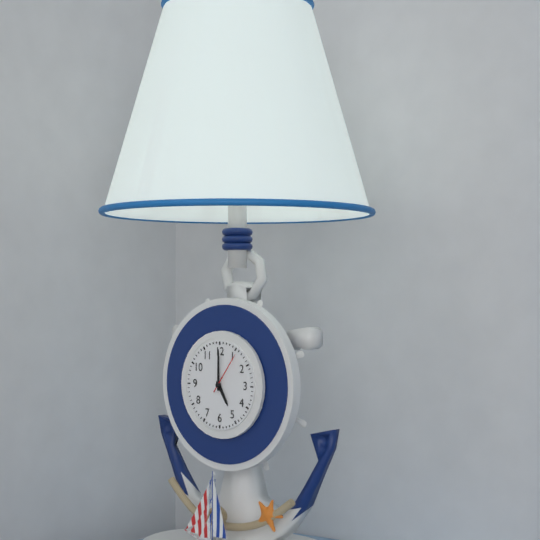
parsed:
5:00
